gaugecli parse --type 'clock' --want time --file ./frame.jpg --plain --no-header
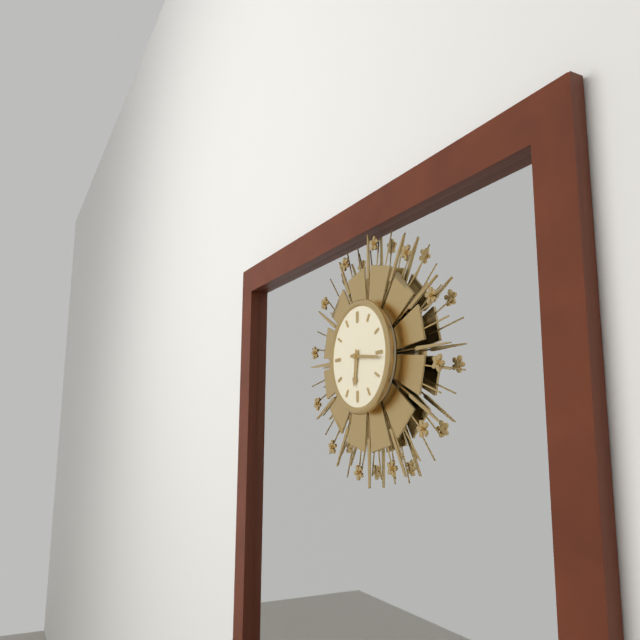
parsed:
6:16
